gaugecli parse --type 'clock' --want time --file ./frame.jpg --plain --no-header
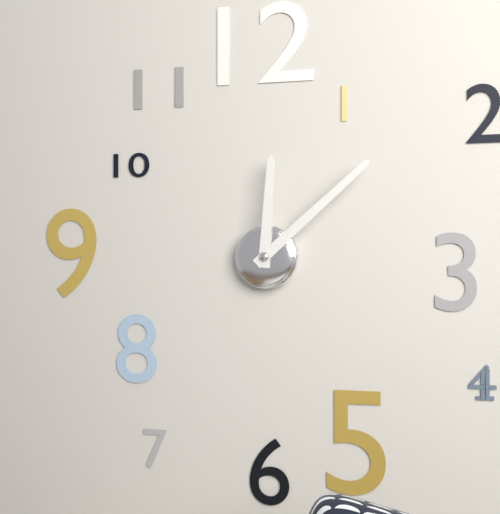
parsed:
12:08
